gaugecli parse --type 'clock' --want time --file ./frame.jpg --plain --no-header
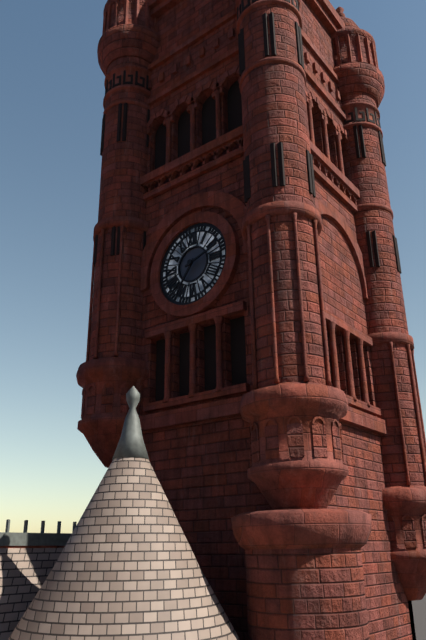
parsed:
7:12
